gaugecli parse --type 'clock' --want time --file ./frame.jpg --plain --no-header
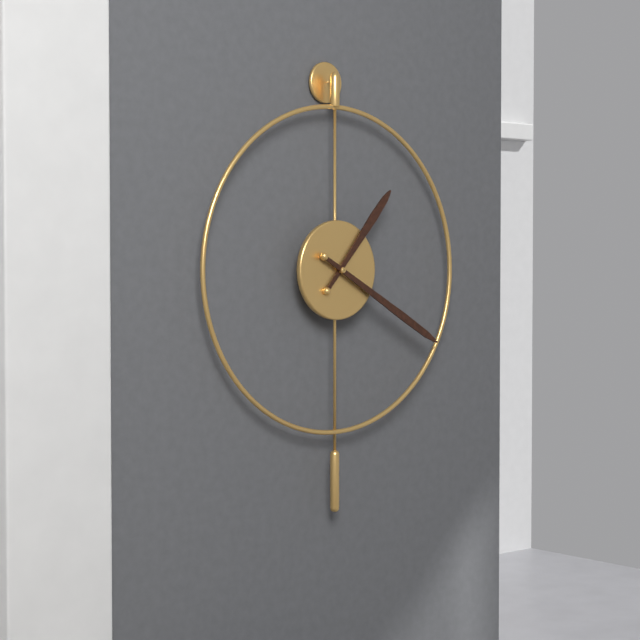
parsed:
1:20
